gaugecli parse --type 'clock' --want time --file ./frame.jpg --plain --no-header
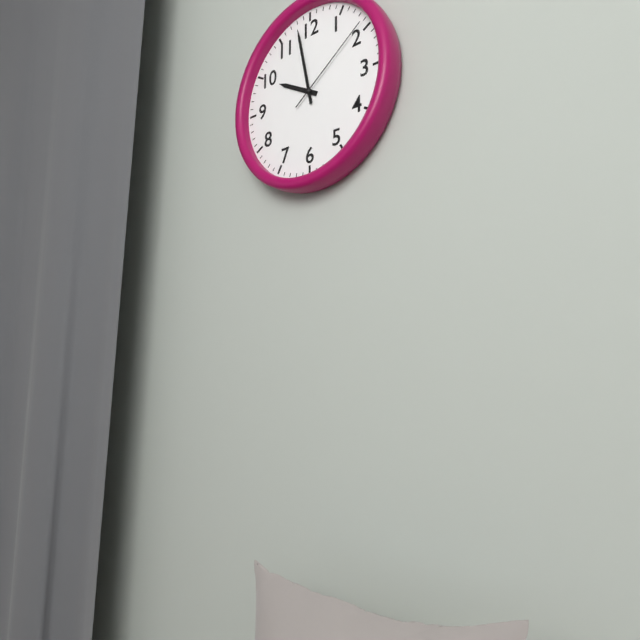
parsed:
9:58:09
